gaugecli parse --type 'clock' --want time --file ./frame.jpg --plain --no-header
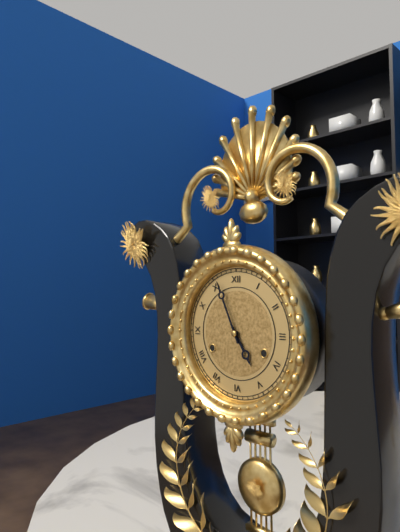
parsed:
4:56
